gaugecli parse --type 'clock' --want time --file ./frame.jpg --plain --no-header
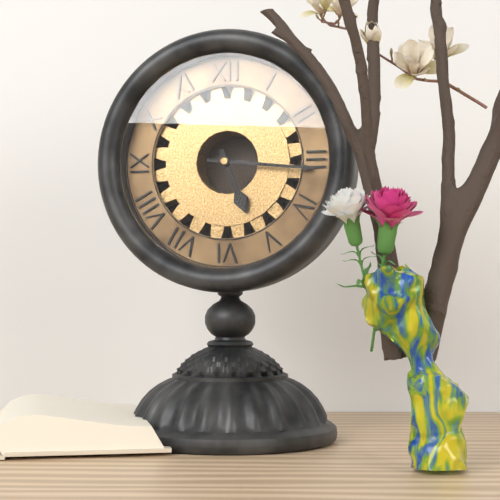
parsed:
5:16
